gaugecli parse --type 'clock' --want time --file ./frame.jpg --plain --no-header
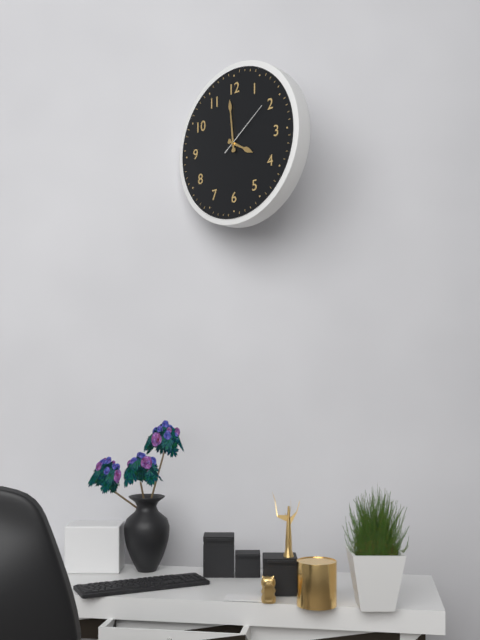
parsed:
3:59:09
